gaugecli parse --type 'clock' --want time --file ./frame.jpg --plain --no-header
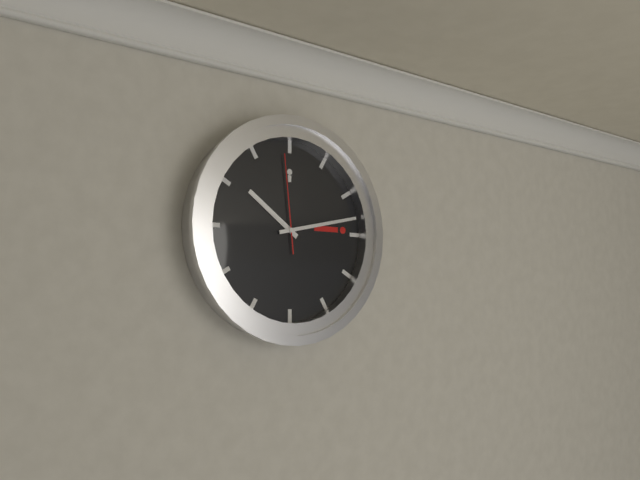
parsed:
10:13:59
